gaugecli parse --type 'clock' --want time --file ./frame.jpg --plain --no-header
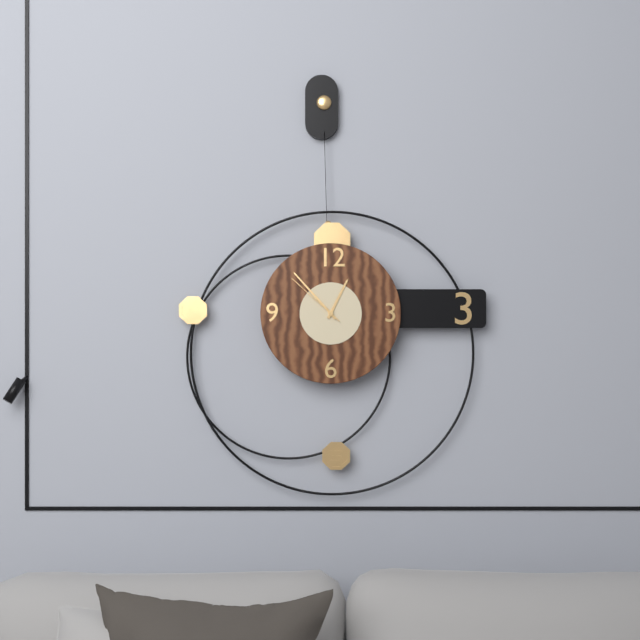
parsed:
12:53:52
